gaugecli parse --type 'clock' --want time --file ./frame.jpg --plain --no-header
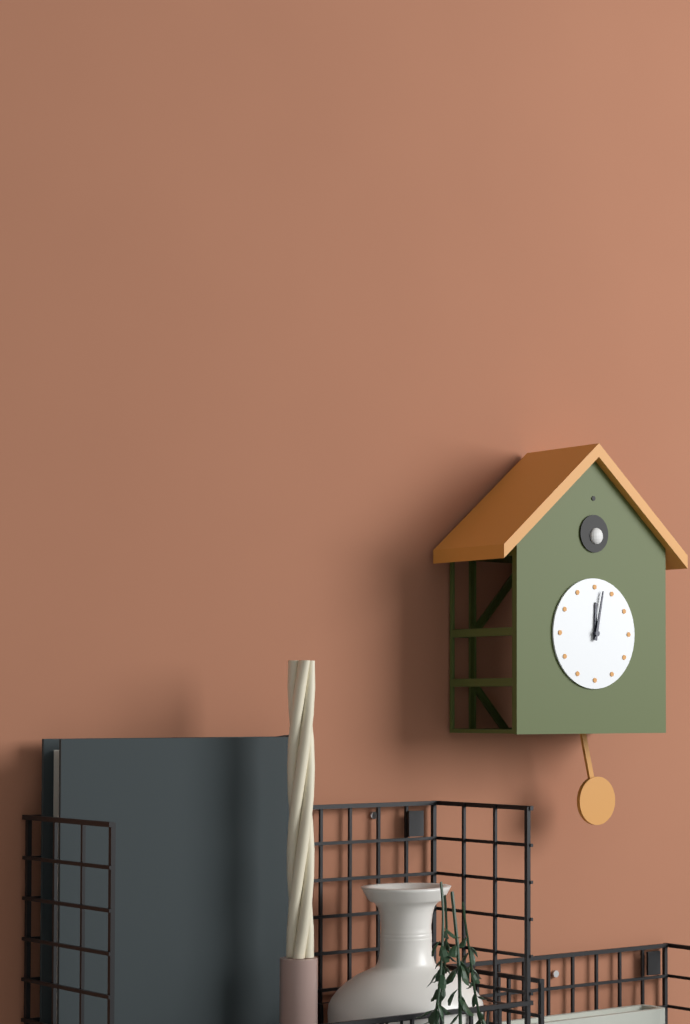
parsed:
12:02
